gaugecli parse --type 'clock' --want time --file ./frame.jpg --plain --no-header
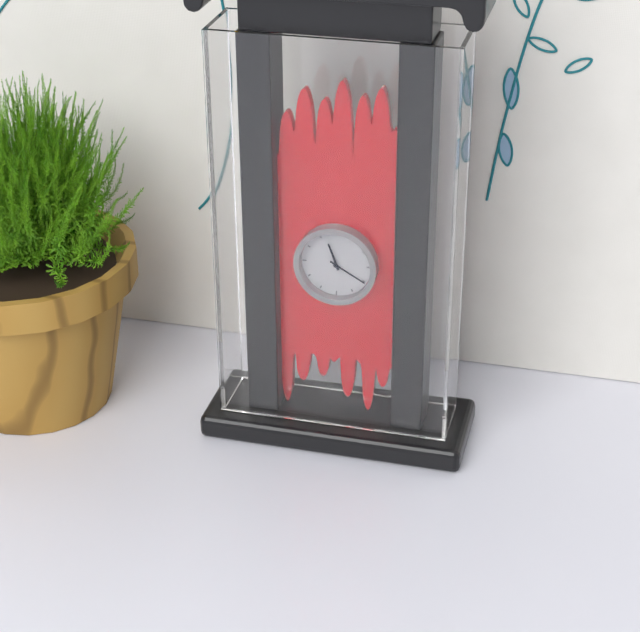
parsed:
11:20
